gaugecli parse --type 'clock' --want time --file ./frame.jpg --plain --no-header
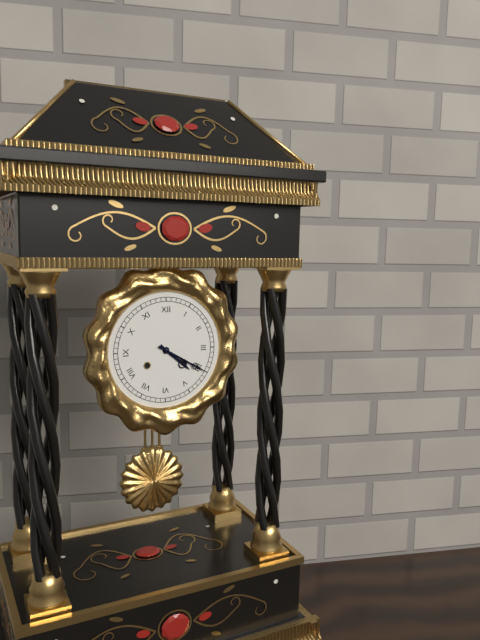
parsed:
4:20
